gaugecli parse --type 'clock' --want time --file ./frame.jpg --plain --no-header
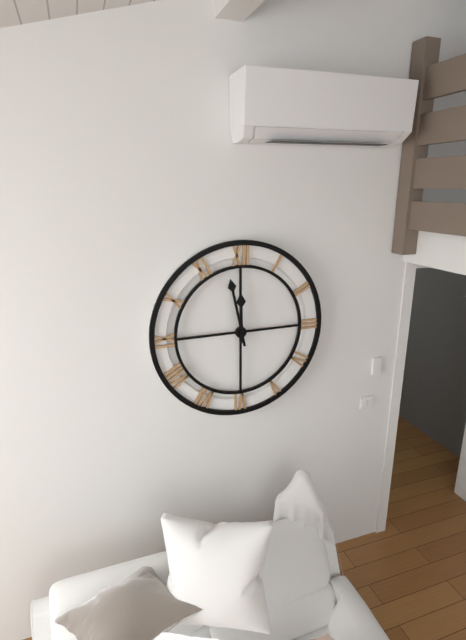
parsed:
11:58
